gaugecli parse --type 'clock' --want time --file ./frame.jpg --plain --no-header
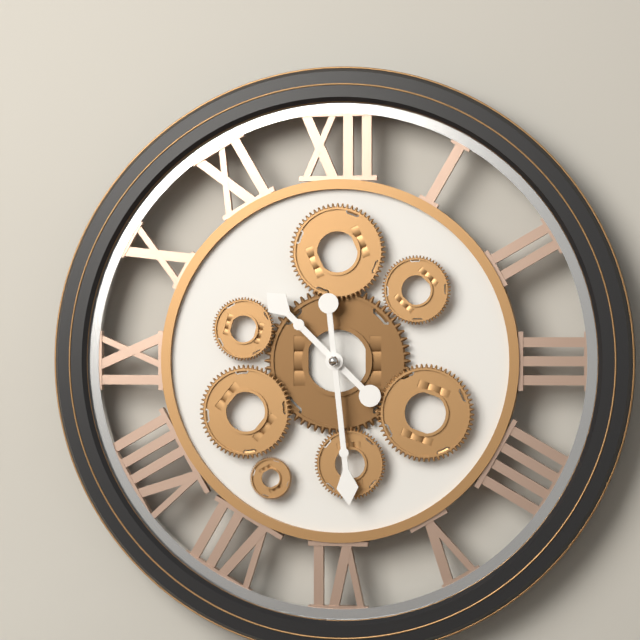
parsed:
10:29
